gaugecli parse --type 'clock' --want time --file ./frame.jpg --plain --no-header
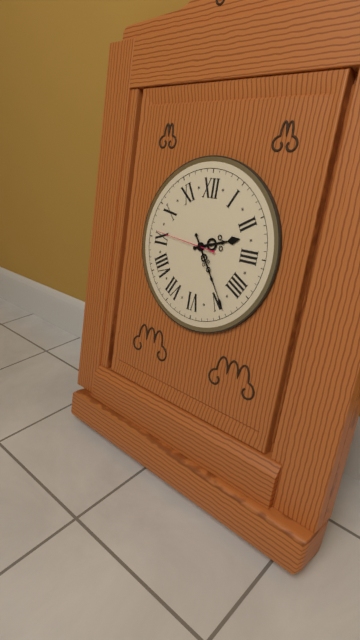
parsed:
2:24:46
